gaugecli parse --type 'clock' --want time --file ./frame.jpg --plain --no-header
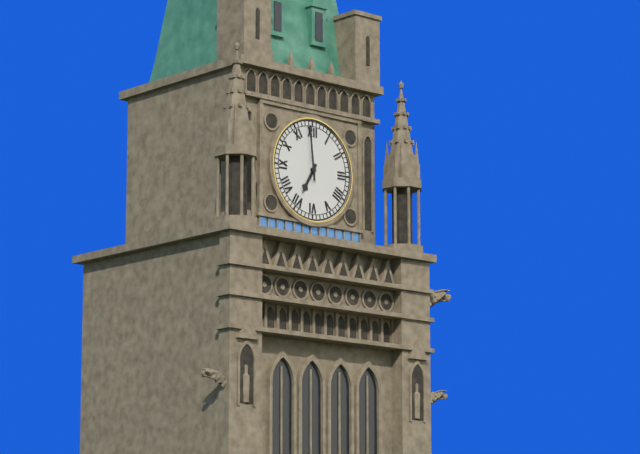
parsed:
6:59
